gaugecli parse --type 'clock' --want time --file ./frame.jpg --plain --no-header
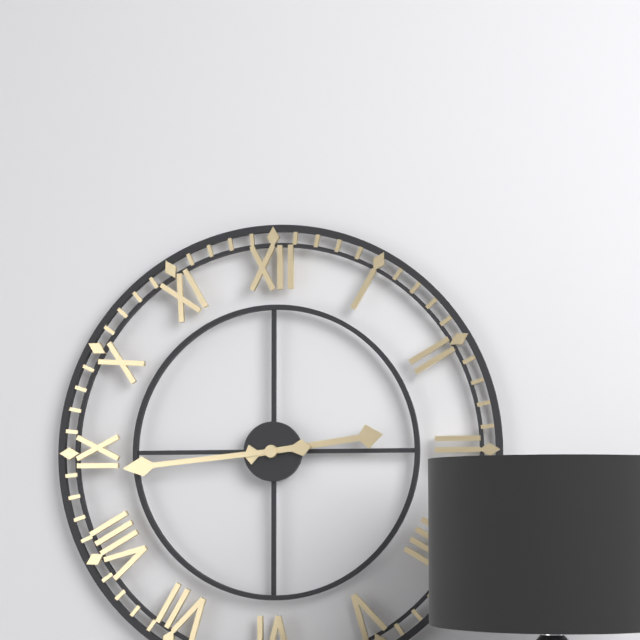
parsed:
2:44
